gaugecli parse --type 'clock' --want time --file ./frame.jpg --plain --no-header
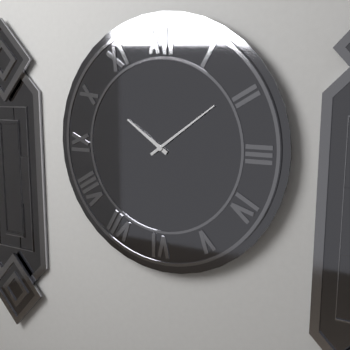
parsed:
10:09
